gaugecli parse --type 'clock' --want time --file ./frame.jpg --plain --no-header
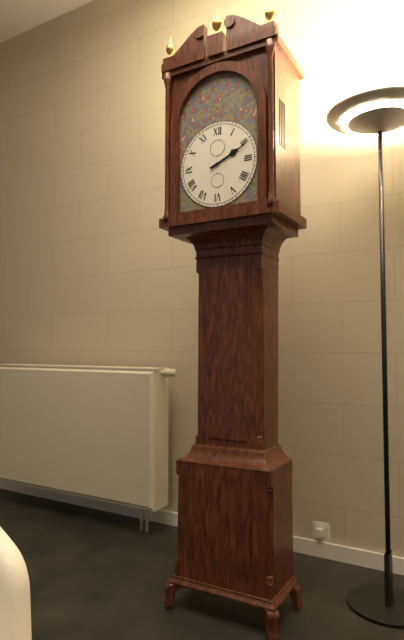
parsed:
2:11
